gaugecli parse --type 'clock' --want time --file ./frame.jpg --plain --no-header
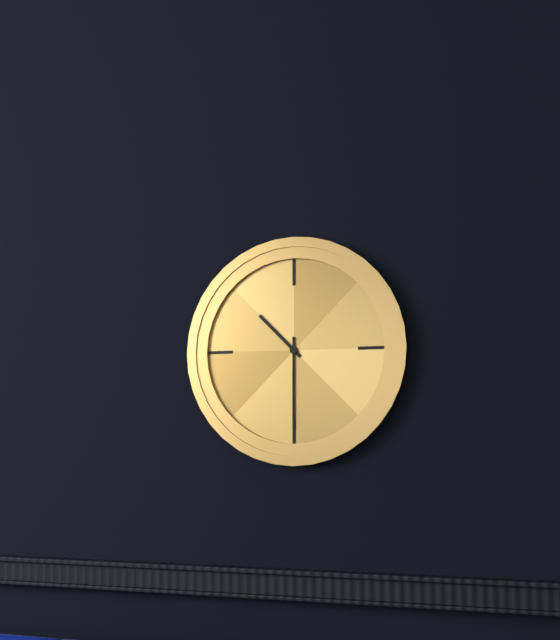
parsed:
10:30
